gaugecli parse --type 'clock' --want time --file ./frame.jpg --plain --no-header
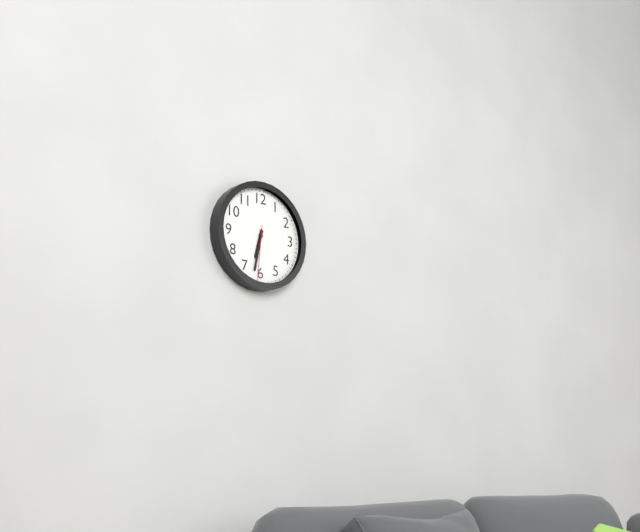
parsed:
6:32:31
